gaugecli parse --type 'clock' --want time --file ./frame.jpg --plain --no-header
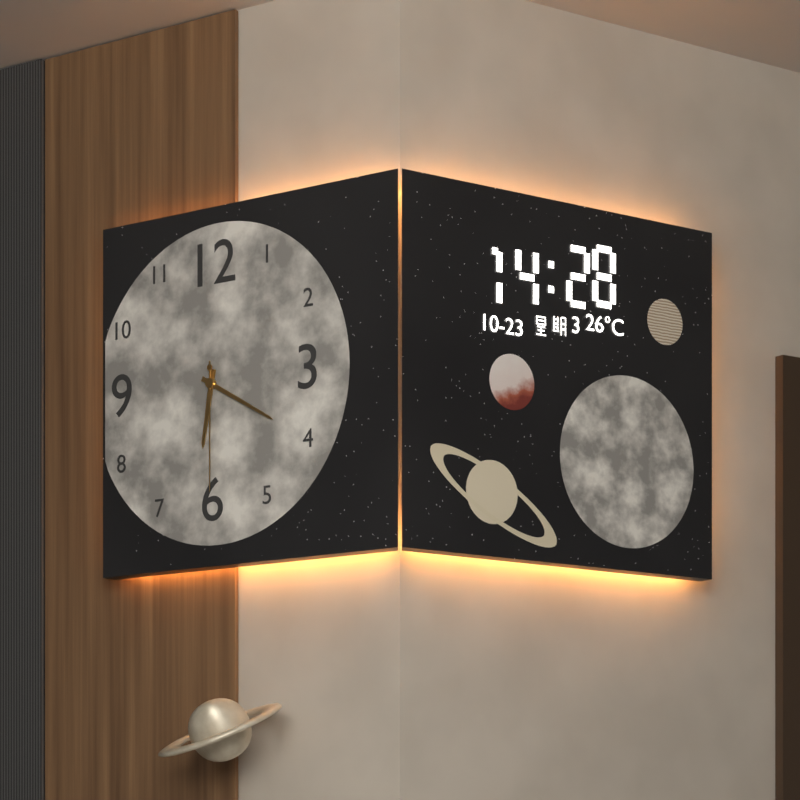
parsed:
6:20:30
